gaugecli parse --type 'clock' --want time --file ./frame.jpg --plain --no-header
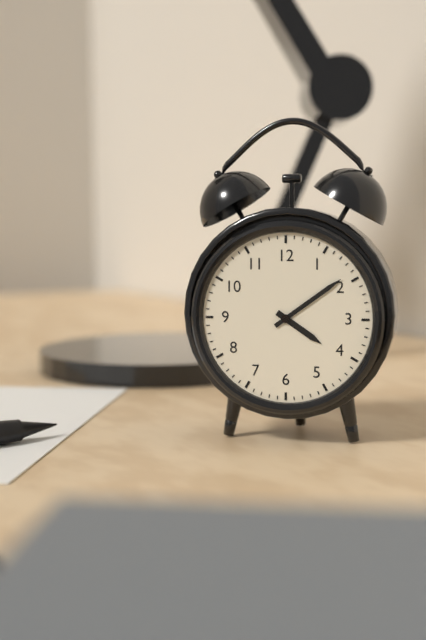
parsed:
4:09
